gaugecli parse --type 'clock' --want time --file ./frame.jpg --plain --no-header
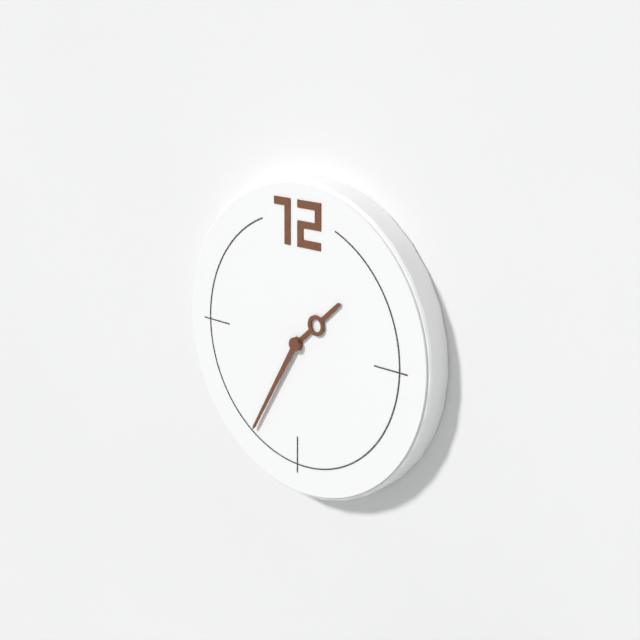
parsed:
1:35
